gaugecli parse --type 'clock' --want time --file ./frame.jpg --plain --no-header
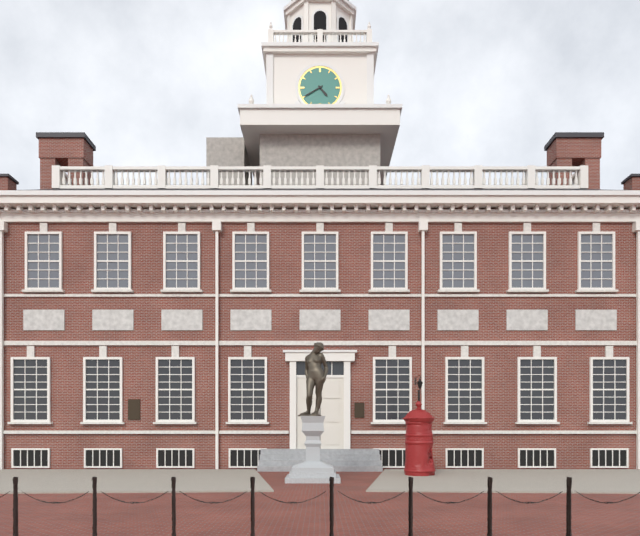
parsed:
4:40
